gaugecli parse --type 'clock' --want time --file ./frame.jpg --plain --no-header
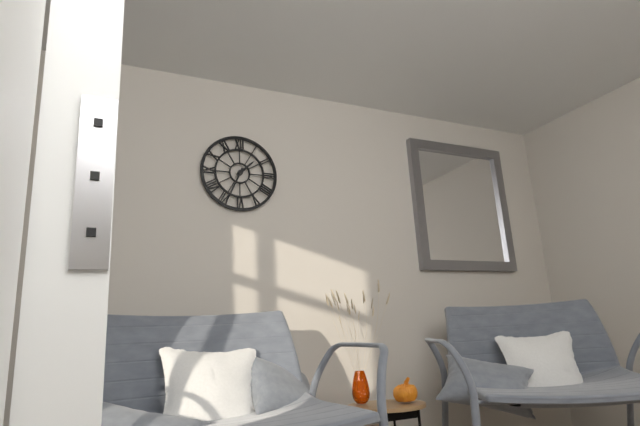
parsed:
1:34
